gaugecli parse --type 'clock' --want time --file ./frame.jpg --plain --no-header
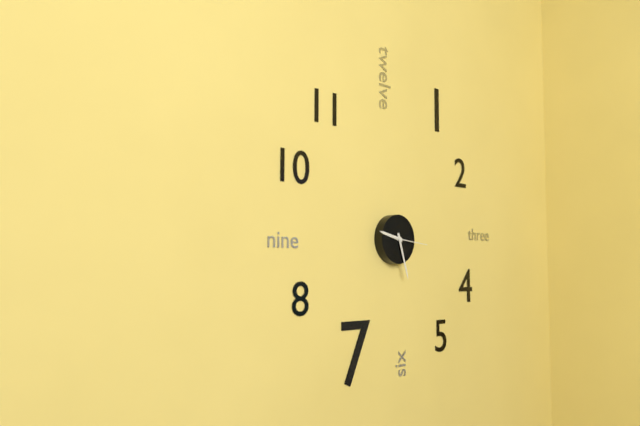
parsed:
9:27
